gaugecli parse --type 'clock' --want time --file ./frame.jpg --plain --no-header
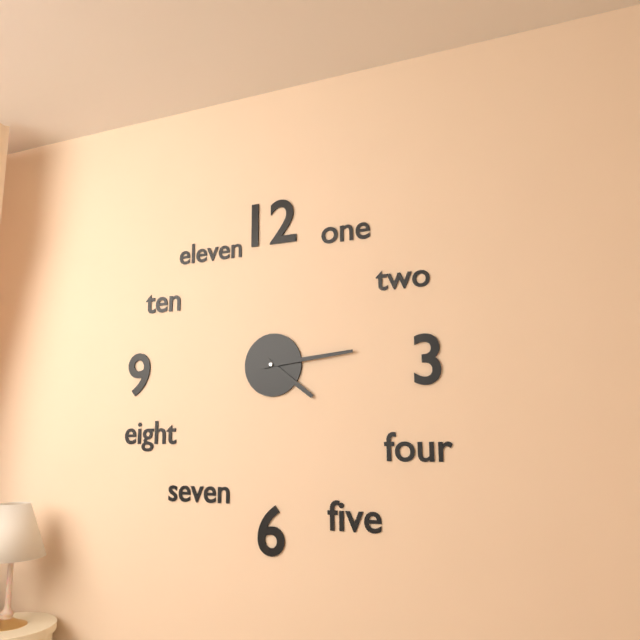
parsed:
4:14
